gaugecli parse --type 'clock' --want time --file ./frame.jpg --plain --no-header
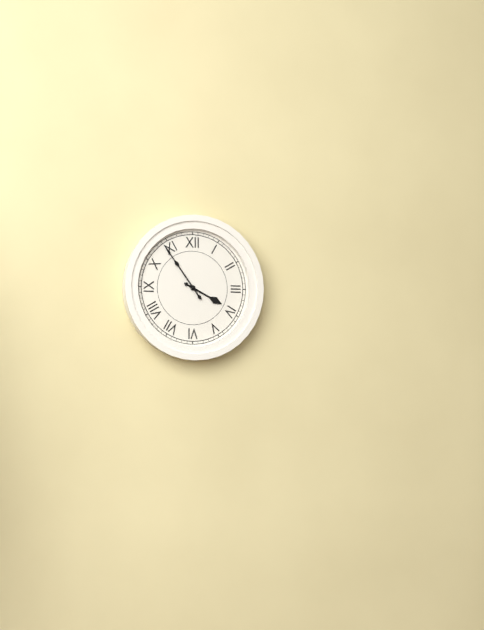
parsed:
3:54
